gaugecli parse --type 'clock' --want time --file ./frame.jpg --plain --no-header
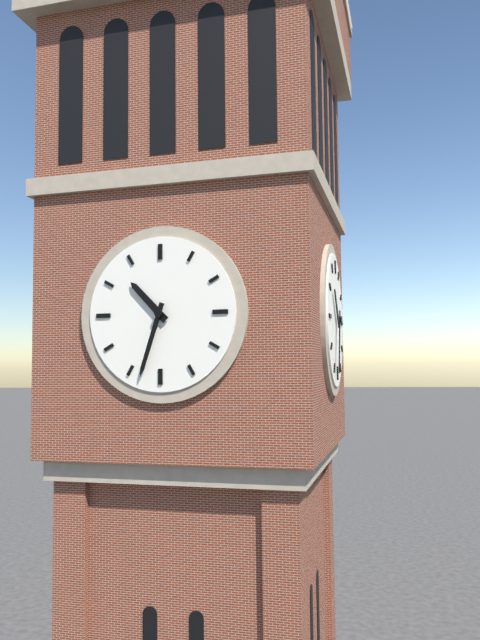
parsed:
10:33
